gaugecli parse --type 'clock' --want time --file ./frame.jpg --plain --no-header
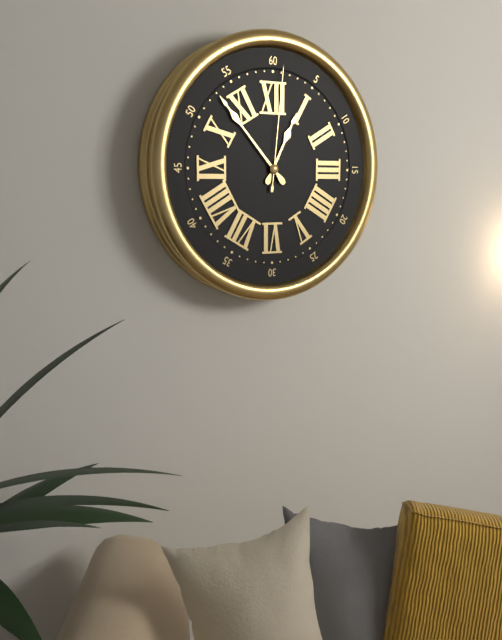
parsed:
12:53:01
